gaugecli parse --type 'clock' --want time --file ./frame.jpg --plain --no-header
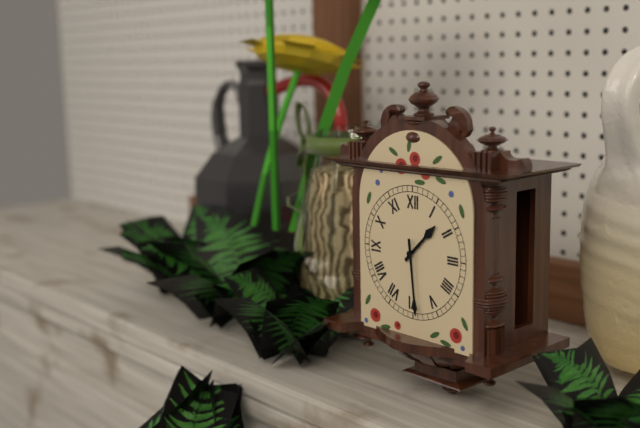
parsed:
1:29
